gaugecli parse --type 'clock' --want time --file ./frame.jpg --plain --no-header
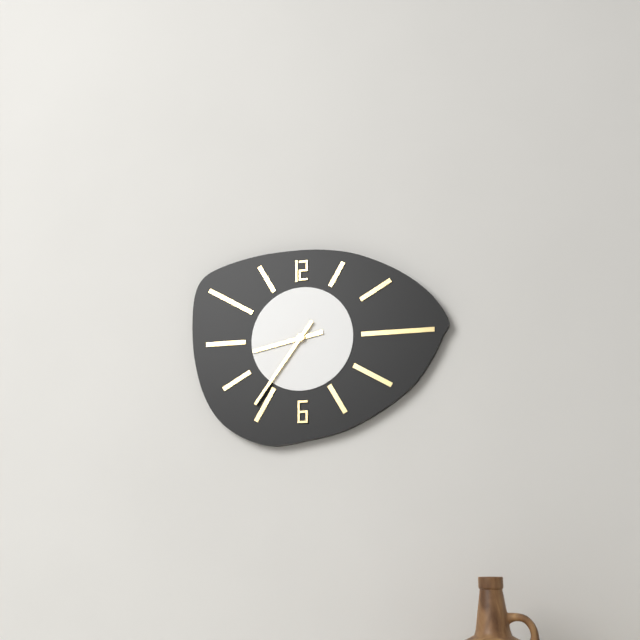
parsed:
8:36
